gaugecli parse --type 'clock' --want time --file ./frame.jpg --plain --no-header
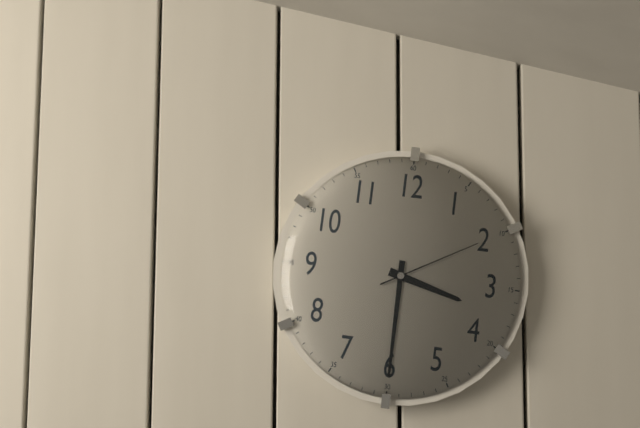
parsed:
3:30:10
